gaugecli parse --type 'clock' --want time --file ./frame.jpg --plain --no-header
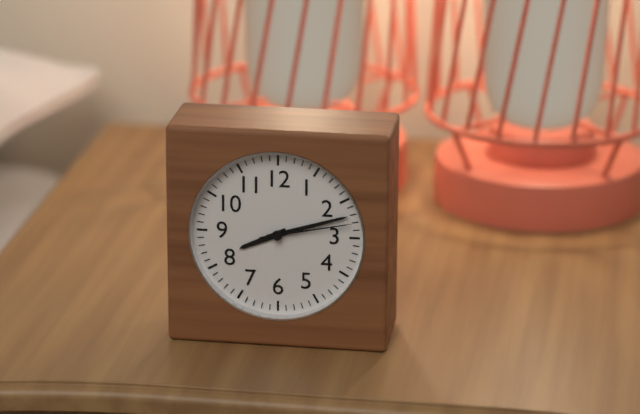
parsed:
8:12:13
